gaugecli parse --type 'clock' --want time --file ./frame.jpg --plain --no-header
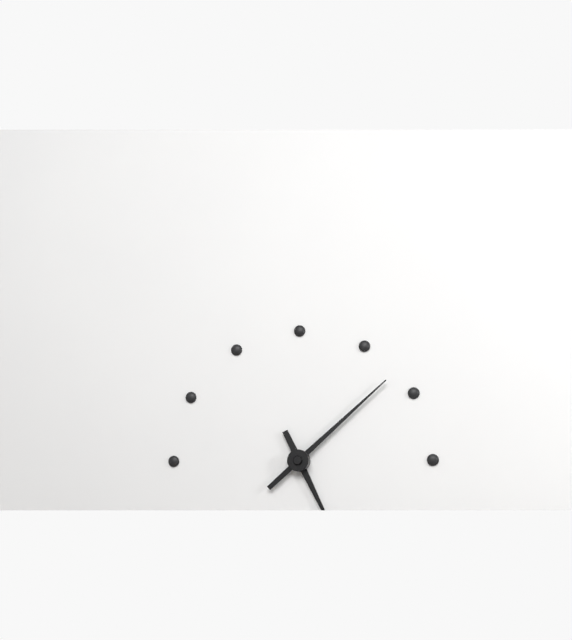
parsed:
5:08
